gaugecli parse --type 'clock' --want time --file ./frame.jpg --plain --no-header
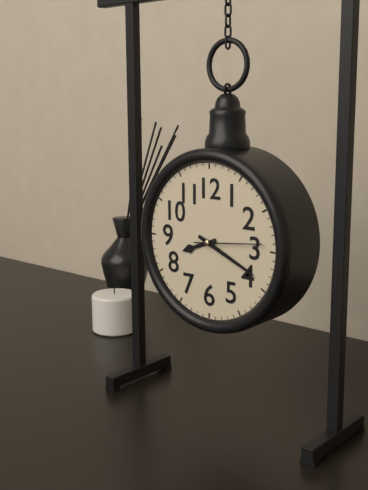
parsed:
8:19:14
